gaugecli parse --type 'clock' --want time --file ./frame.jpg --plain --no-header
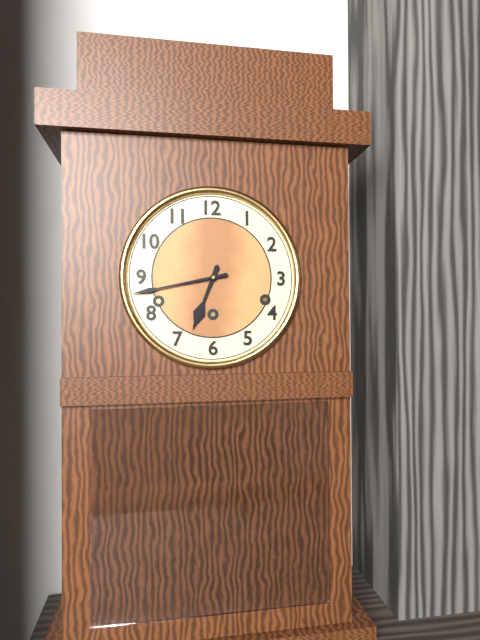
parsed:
6:43
